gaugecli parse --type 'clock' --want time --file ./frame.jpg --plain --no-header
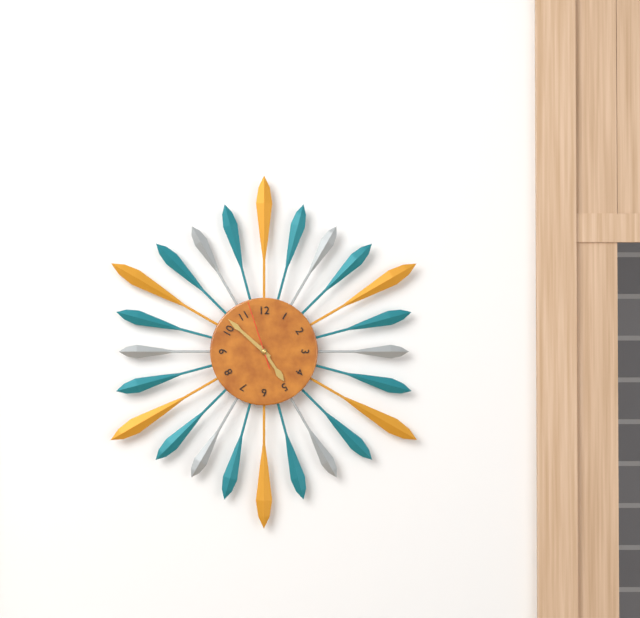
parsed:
4:52:57
